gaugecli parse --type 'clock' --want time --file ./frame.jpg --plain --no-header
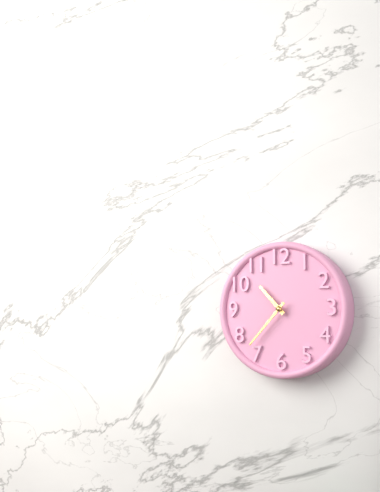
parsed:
10:37
